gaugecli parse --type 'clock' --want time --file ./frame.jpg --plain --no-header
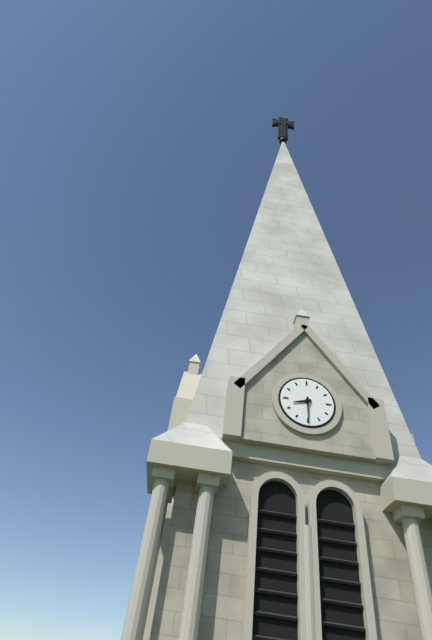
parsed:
8:30
